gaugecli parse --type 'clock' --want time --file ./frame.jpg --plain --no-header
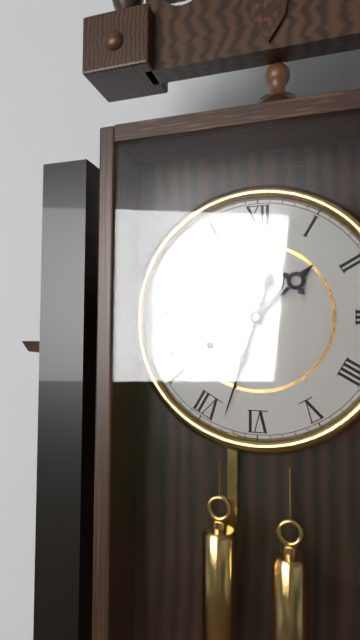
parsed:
1:33
